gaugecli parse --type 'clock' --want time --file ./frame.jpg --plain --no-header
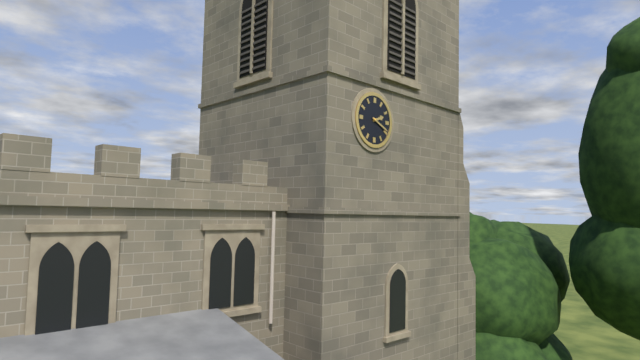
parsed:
2:19
